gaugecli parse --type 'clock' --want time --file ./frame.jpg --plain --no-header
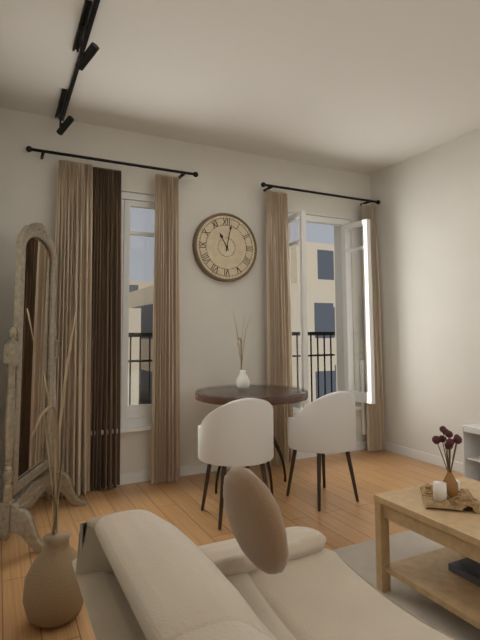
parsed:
11:02
